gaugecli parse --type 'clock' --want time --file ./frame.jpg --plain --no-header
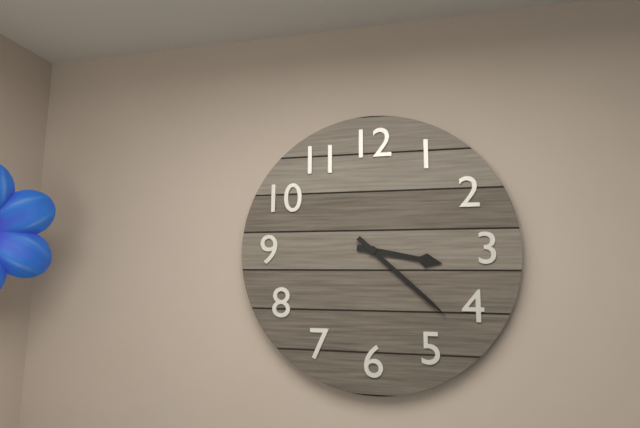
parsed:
3:22
